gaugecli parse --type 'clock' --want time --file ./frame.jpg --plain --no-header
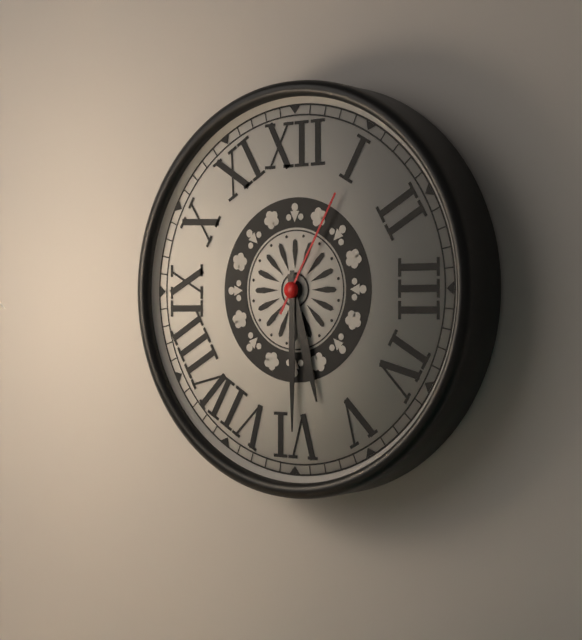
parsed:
5:30:05
